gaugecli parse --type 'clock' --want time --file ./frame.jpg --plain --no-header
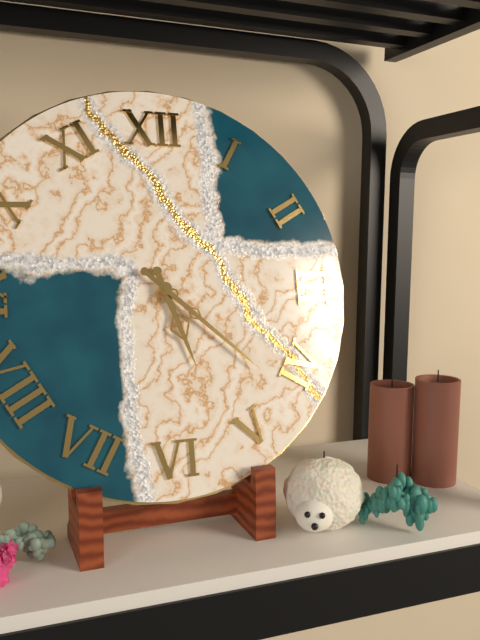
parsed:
5:22
